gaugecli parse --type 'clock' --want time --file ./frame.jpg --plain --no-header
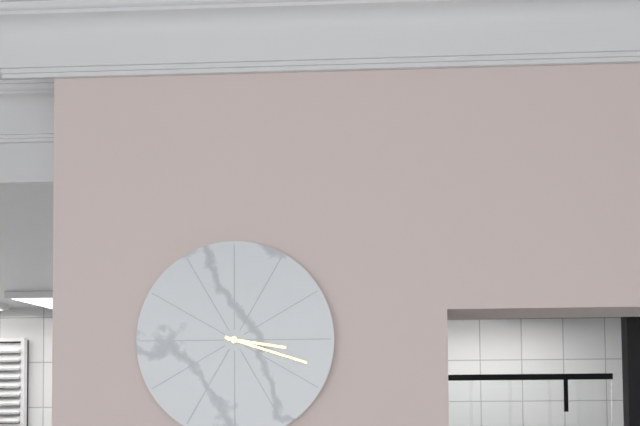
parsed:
3:18
